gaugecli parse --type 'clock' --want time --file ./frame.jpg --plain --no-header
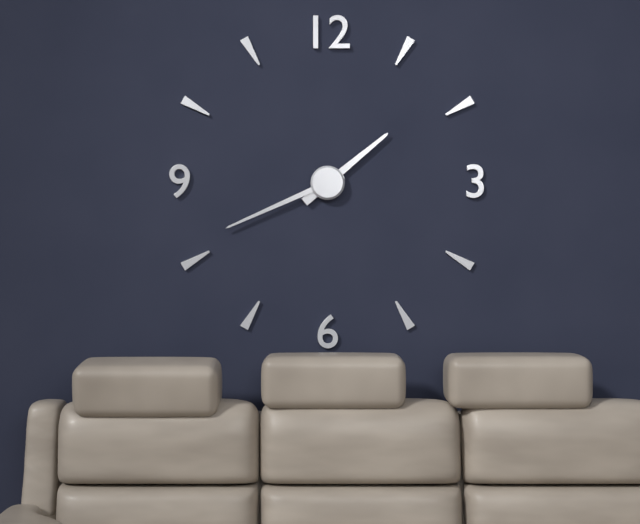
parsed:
1:41
